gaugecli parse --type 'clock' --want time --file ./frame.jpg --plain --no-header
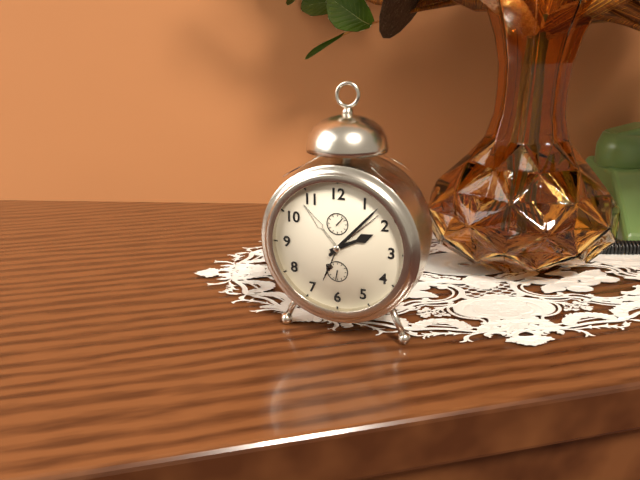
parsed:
2:07
